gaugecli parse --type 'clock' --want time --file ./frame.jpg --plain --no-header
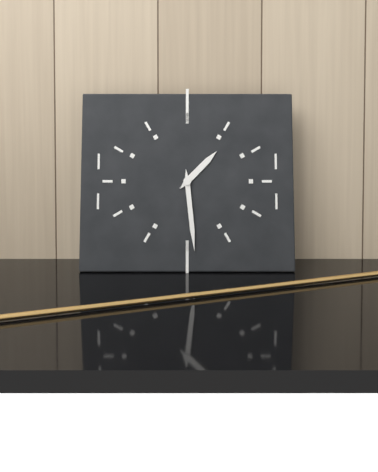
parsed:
1:29
